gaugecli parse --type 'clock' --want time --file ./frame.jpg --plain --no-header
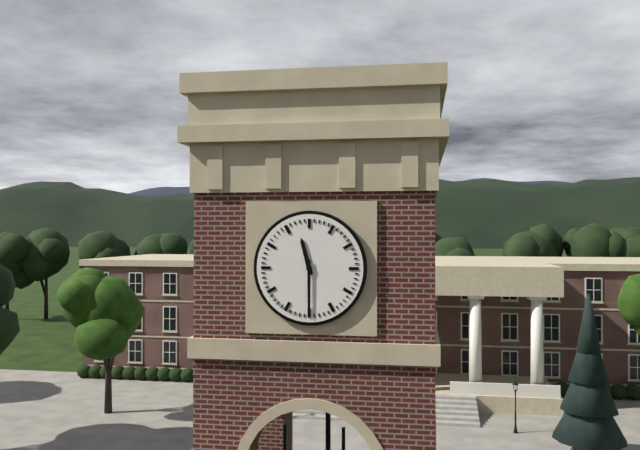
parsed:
11:30
